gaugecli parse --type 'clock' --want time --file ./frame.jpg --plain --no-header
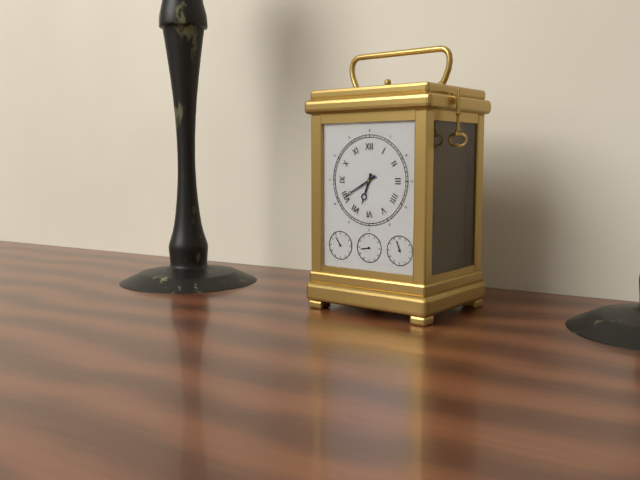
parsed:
6:40
